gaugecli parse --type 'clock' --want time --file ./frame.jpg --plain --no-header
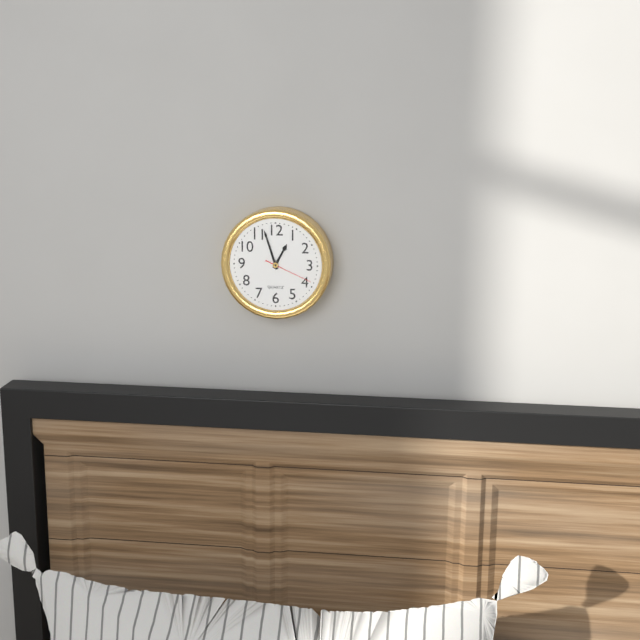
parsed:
12:57
